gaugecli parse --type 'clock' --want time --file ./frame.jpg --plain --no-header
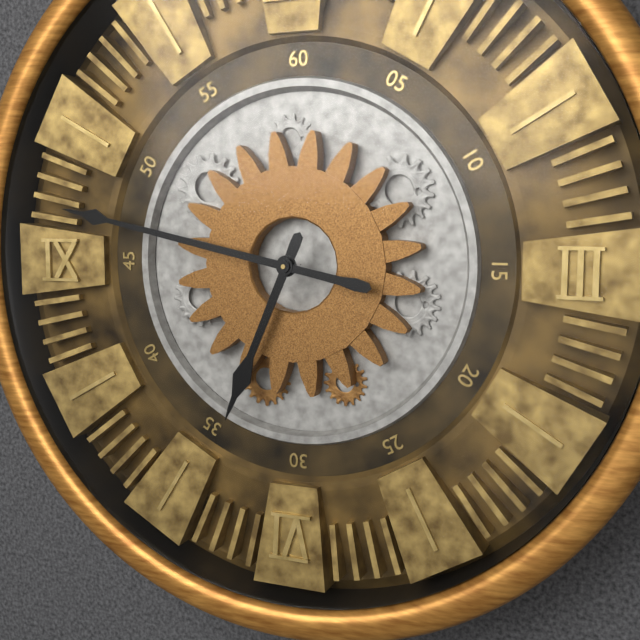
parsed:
6:47
